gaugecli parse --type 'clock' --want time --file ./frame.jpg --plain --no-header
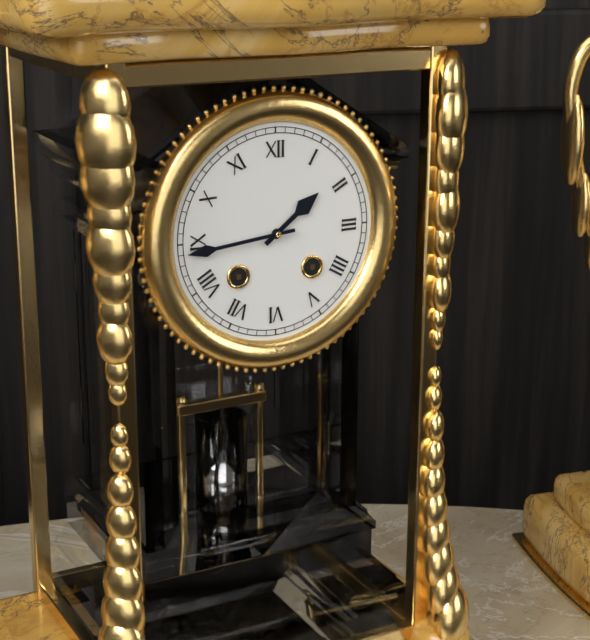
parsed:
1:44
